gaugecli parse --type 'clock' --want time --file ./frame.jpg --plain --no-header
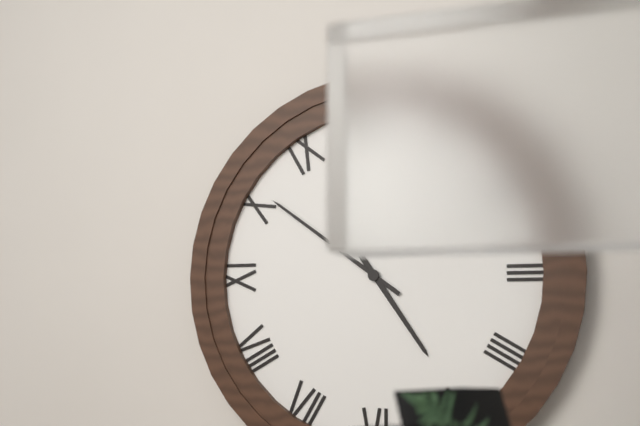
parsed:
4:51
